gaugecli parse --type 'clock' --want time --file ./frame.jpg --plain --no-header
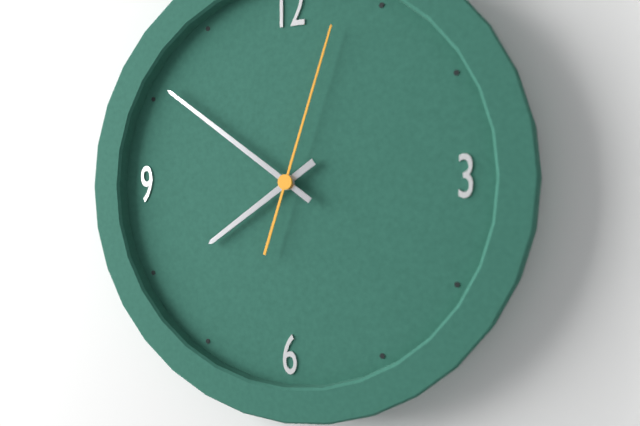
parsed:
7:51:03
